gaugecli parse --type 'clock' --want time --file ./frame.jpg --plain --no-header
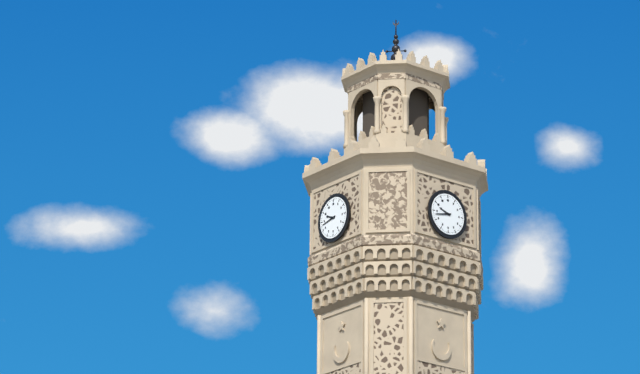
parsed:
9:43
